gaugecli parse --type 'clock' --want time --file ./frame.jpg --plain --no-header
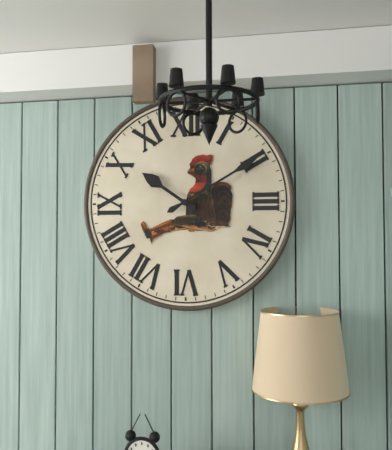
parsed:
10:10
